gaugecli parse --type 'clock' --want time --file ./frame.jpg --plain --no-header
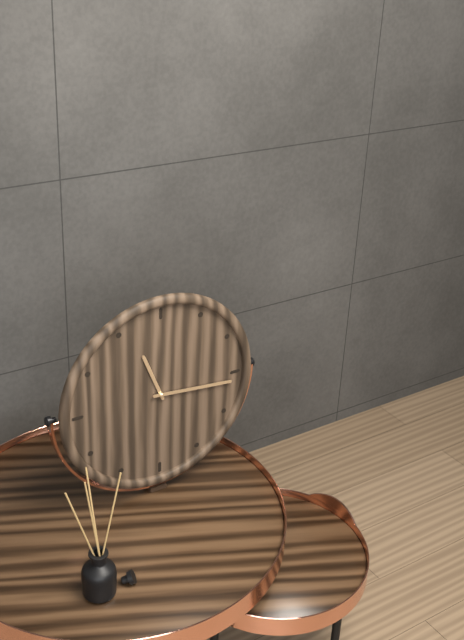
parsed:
11:16
